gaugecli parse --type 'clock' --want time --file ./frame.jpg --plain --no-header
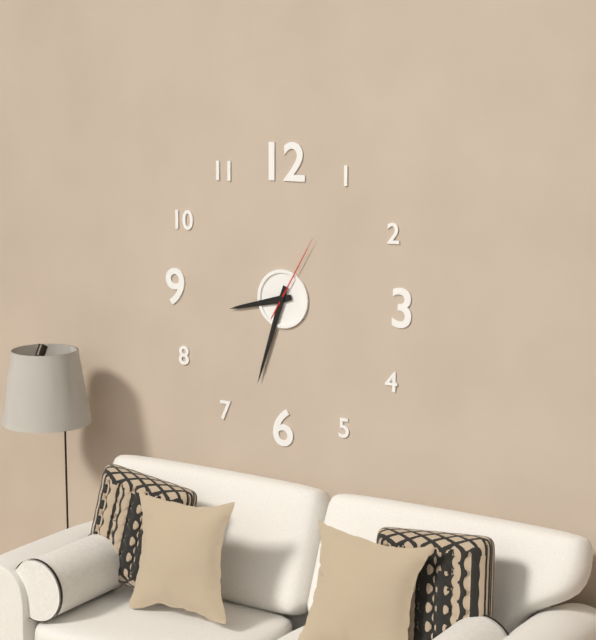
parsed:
8:33:05
